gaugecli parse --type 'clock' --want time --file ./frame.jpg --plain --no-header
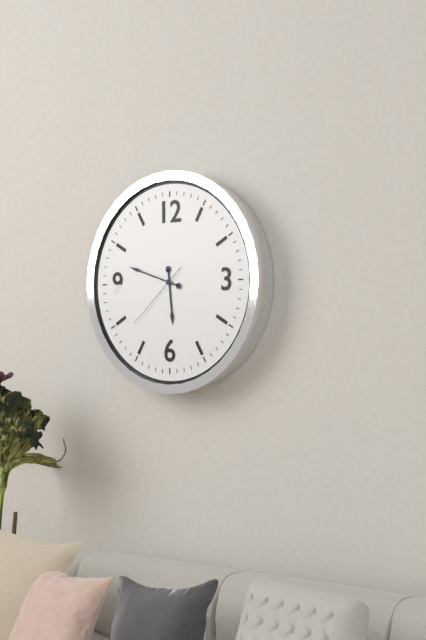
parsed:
5:48:38
